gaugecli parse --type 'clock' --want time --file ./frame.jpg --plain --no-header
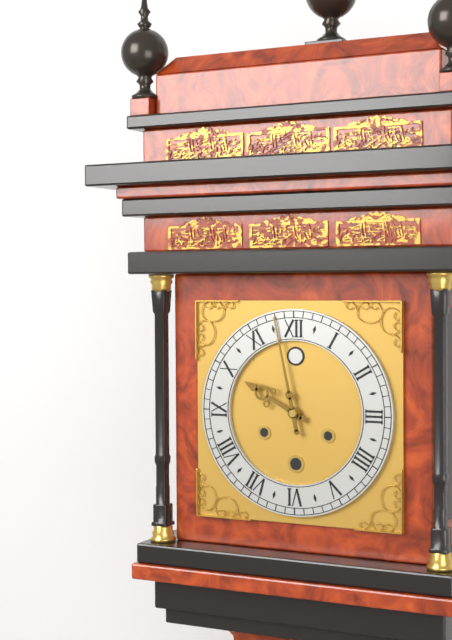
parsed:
9:58
